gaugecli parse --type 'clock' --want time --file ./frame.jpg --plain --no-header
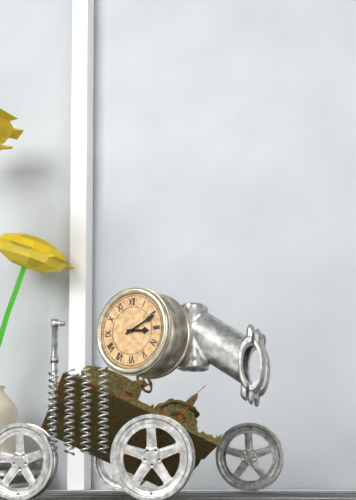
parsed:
3:11
